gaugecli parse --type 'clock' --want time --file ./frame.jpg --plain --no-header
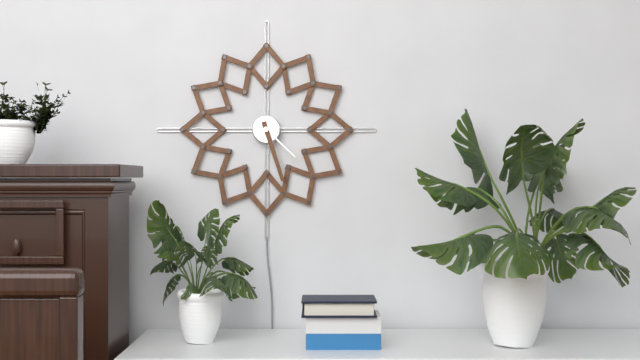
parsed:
4:27
